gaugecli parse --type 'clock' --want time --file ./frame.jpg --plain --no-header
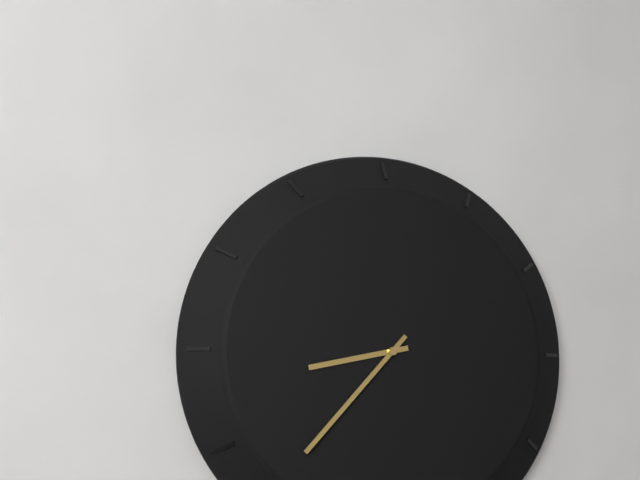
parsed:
8:37
